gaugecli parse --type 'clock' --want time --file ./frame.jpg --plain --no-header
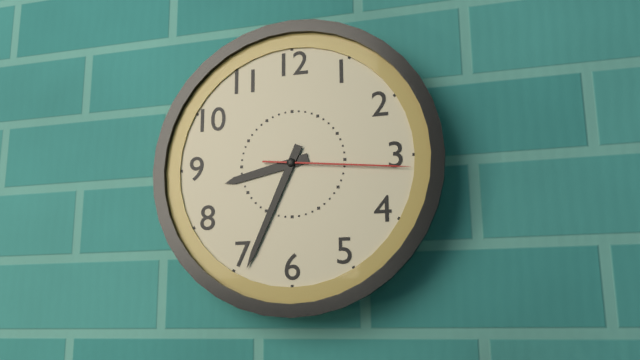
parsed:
8:34:16
